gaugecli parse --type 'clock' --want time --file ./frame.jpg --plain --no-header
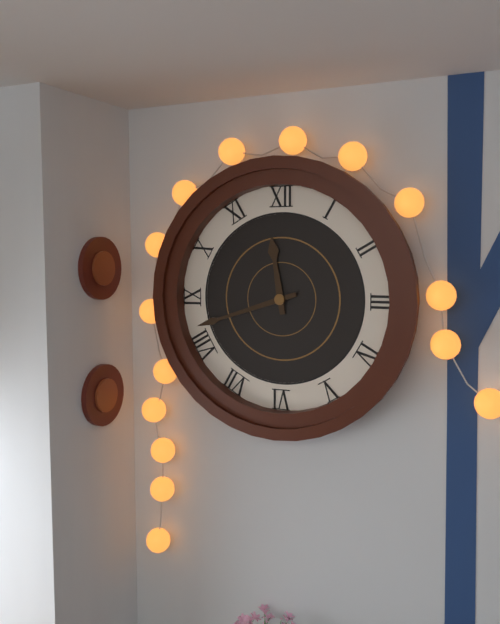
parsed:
11:42
